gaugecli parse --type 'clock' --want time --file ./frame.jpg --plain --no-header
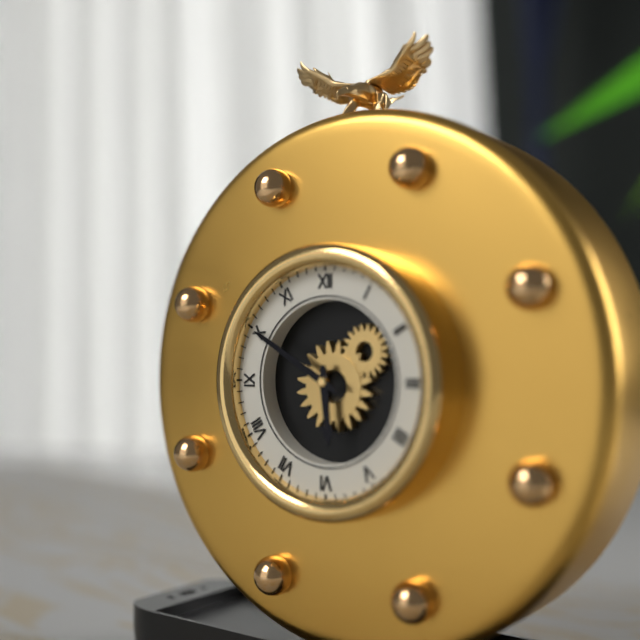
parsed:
5:50
